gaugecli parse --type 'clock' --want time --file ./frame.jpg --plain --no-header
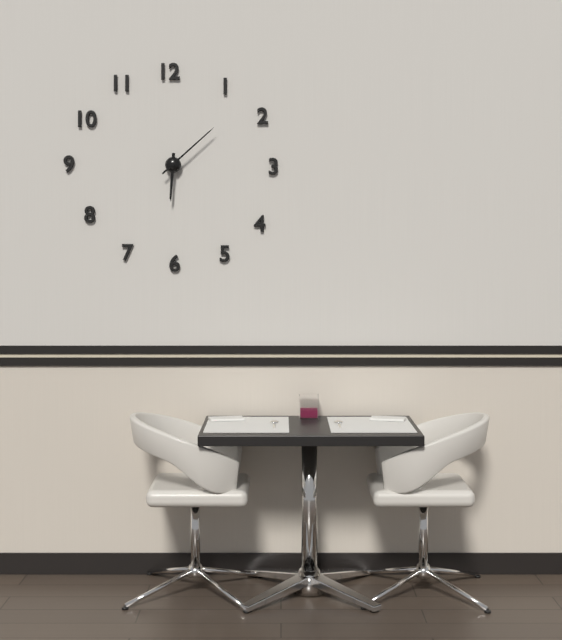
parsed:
6:08
